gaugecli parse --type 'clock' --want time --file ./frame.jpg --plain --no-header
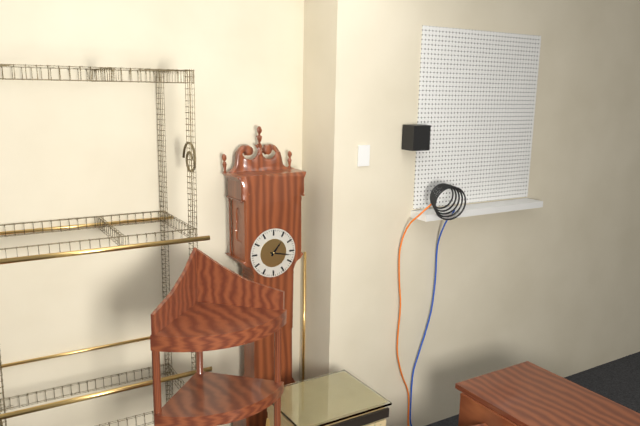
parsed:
1:17
